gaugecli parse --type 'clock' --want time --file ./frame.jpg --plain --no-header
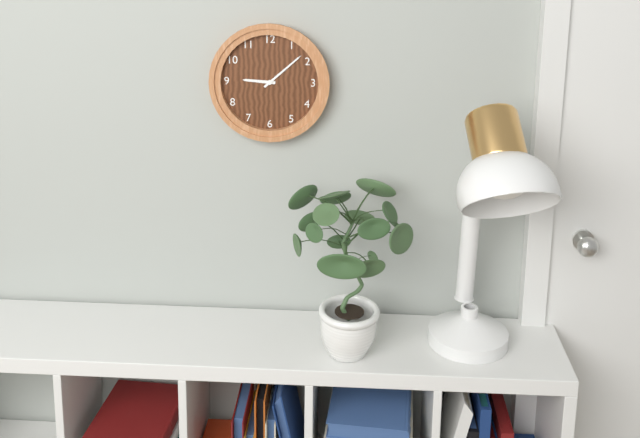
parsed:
9:08
